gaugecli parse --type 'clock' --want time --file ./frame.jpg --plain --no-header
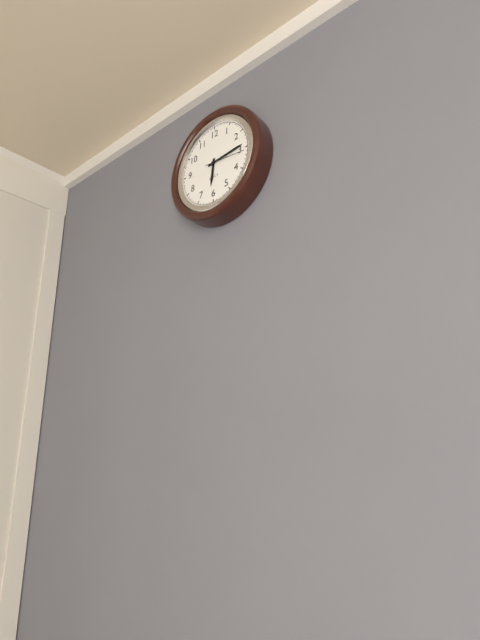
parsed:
6:14
